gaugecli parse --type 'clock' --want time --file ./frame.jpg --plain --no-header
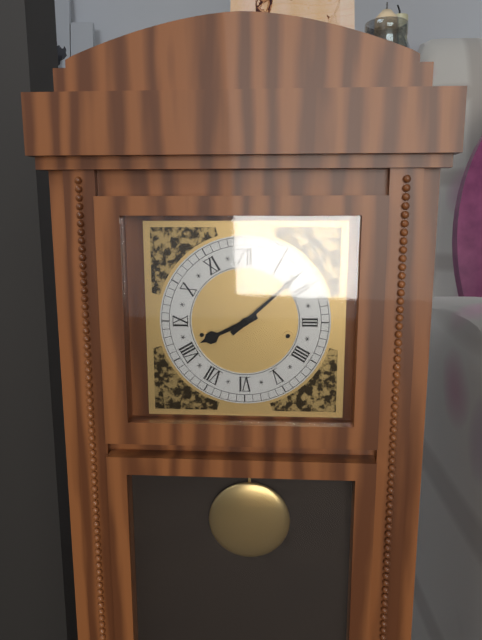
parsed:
8:08
